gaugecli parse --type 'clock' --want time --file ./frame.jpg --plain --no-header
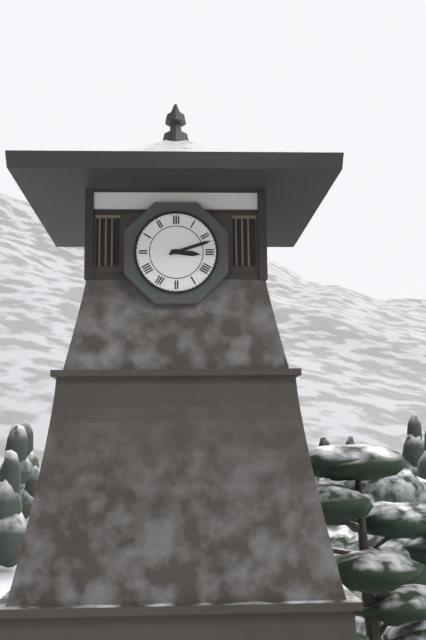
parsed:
3:12
